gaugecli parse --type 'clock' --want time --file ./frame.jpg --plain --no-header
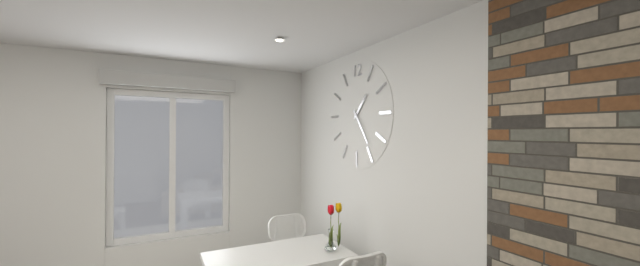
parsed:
1:24
